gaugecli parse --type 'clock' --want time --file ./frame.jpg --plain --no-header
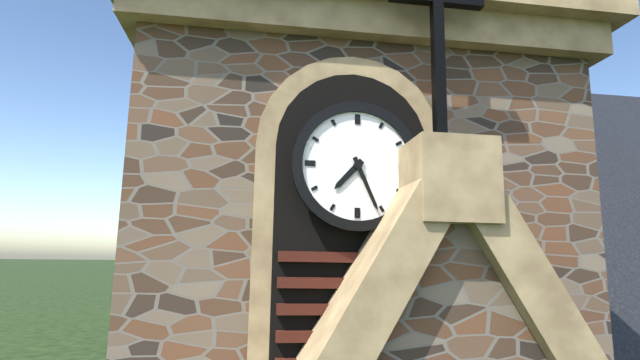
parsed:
7:26
